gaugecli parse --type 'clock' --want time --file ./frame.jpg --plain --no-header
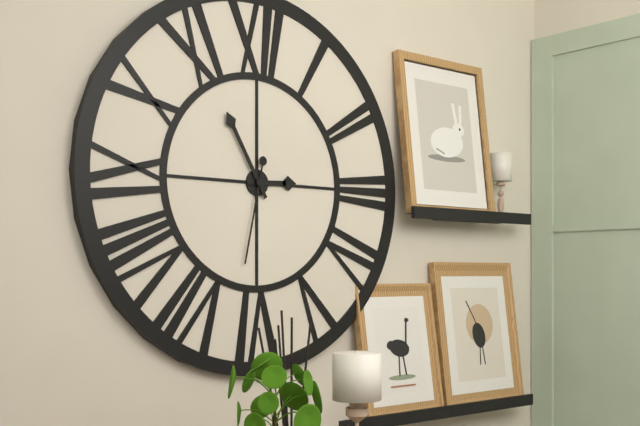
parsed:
2:55:32
